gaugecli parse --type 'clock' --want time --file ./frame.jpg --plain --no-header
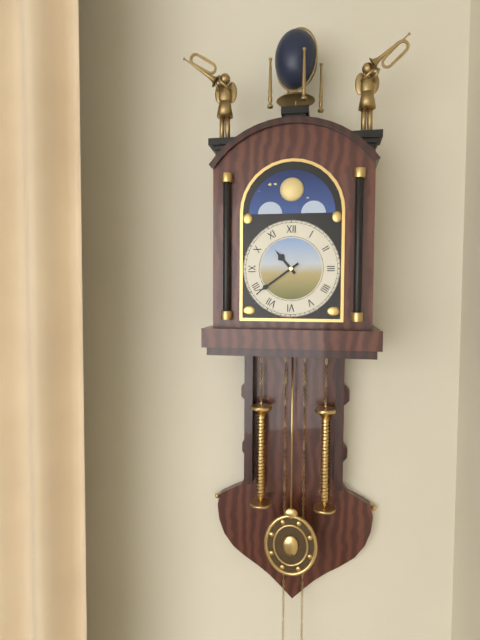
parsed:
10:39
